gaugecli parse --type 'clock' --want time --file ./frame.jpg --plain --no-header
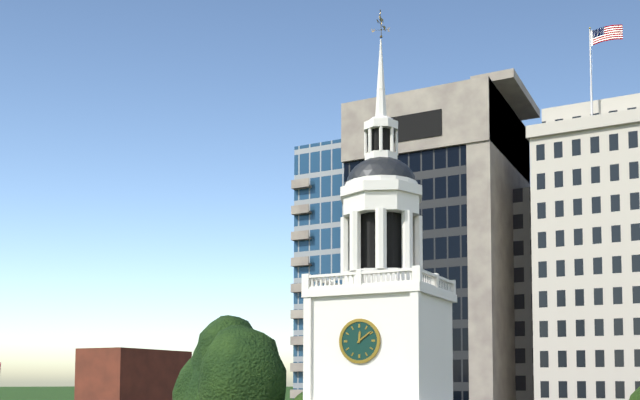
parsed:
12:09
